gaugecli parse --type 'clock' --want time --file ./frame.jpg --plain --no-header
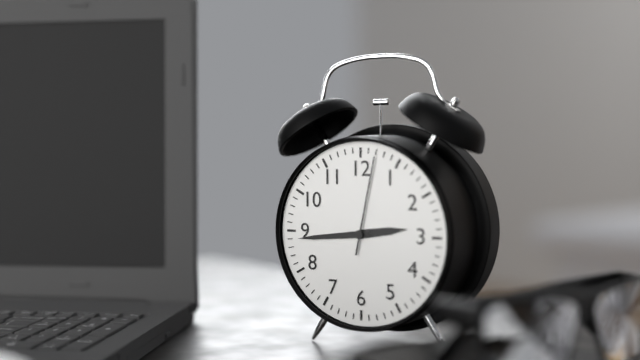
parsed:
2:44:02
